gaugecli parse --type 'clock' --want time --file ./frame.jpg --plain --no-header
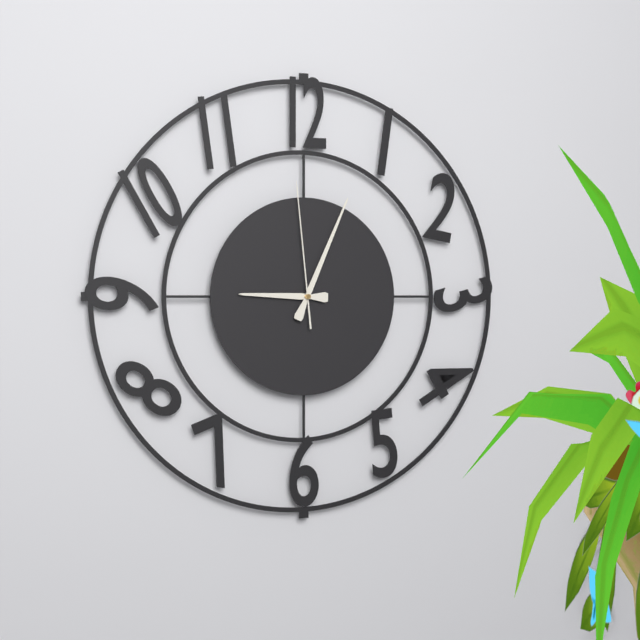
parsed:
9:04:59
